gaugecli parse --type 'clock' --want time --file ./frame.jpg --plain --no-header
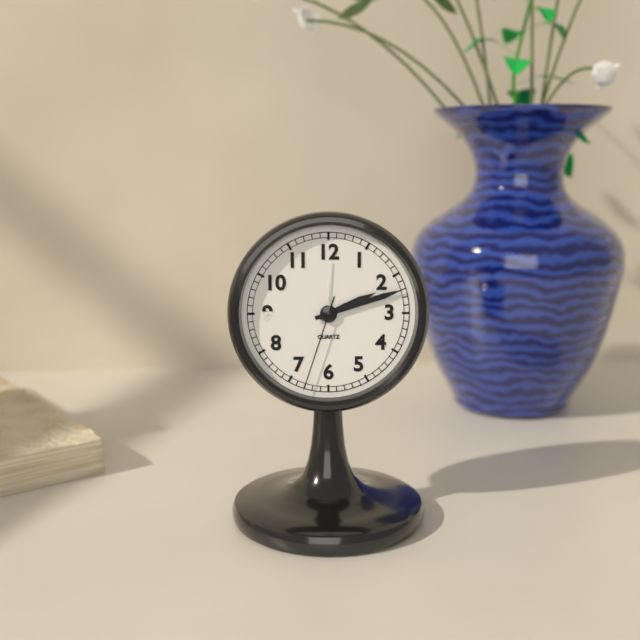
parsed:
2:12:33
